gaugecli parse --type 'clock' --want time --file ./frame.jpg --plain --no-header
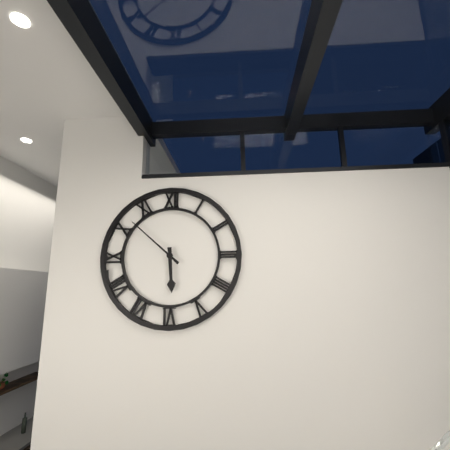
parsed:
5:52
